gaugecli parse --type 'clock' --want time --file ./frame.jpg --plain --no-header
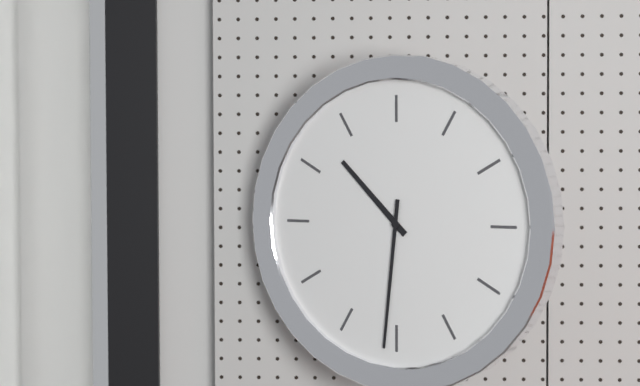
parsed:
10:31
